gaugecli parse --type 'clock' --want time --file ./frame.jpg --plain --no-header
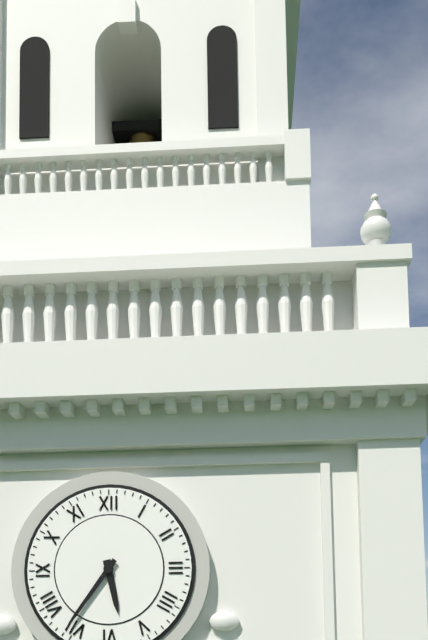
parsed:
5:36
